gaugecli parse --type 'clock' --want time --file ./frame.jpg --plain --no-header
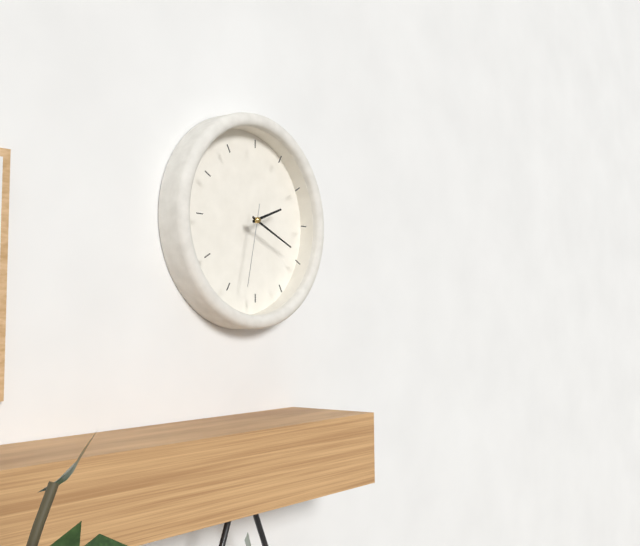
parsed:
2:19:32
